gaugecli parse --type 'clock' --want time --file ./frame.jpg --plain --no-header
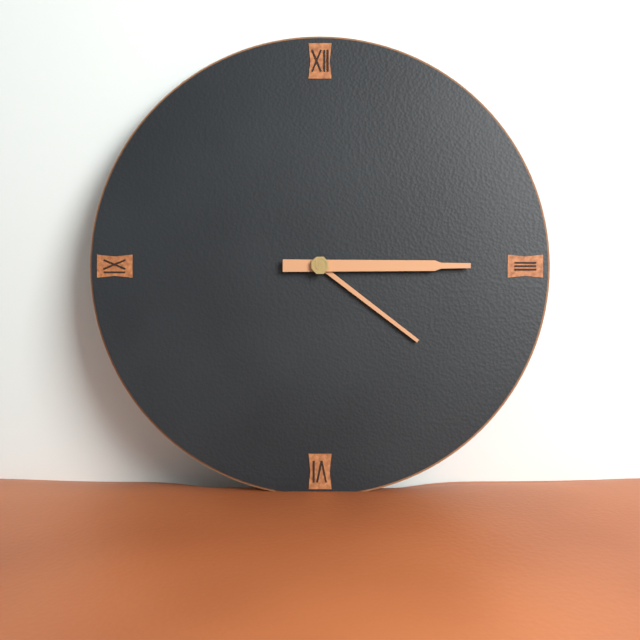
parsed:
4:15
